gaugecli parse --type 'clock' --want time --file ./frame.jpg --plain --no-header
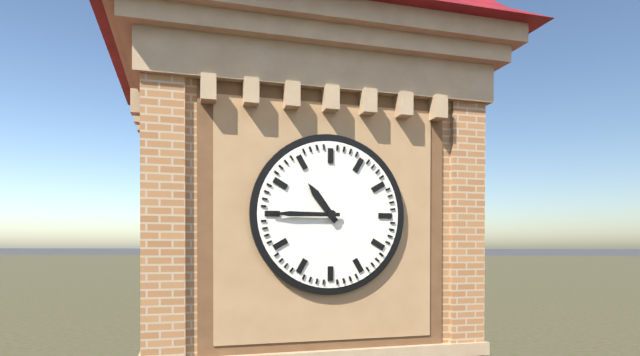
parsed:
10:45
